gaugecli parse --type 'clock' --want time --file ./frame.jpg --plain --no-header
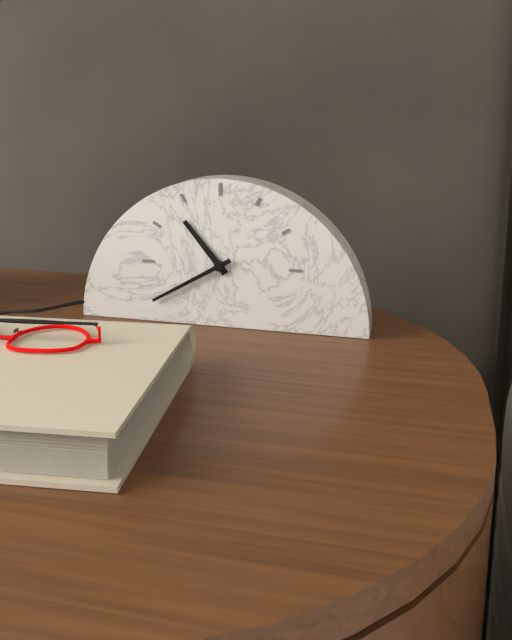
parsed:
10:40
